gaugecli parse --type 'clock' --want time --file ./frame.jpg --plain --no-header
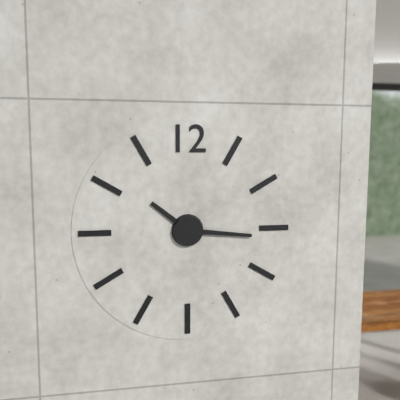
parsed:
10:16
